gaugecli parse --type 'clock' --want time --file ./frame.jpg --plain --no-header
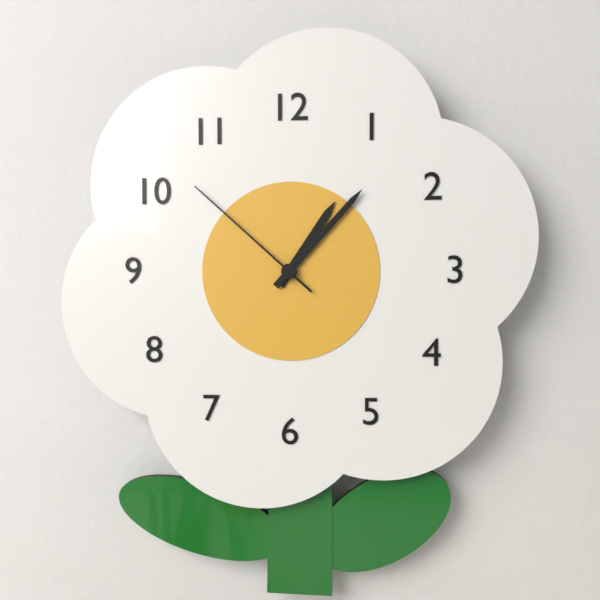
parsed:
1:07:52
